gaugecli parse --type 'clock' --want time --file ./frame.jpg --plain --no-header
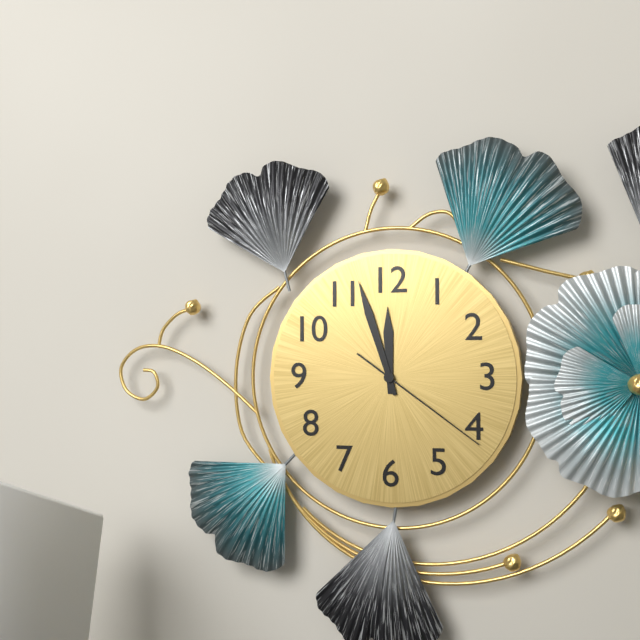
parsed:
11:57:21
